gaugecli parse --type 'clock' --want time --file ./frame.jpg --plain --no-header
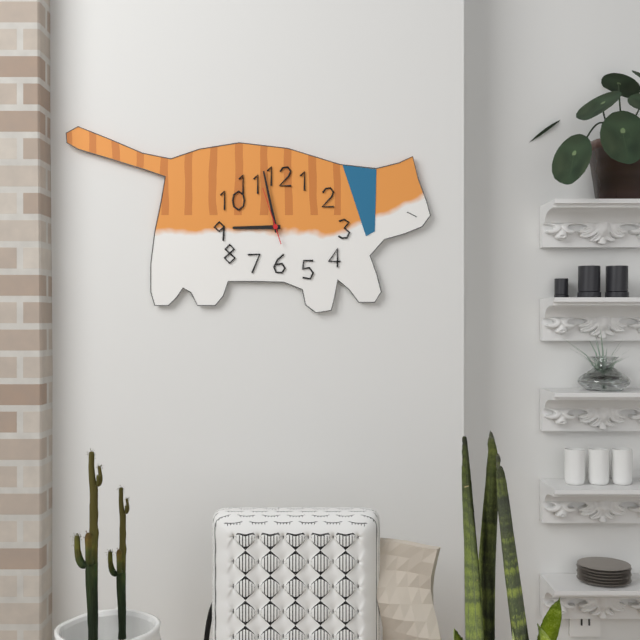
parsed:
8:58:57
